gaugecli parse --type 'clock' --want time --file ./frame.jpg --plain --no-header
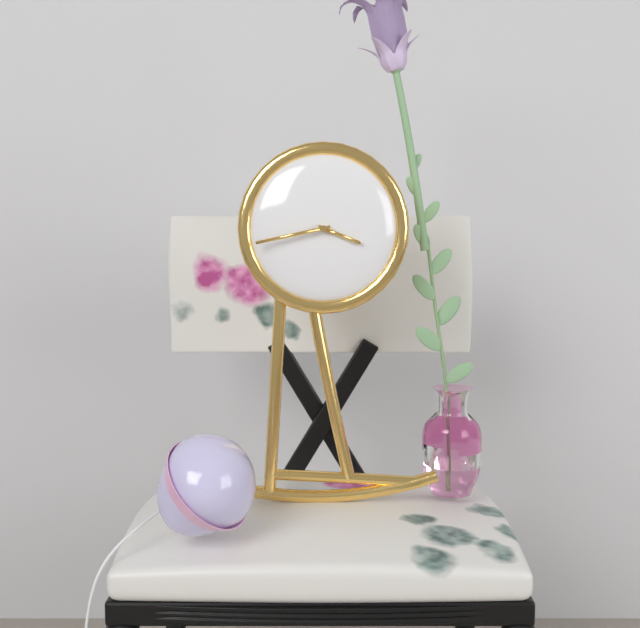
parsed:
3:43
